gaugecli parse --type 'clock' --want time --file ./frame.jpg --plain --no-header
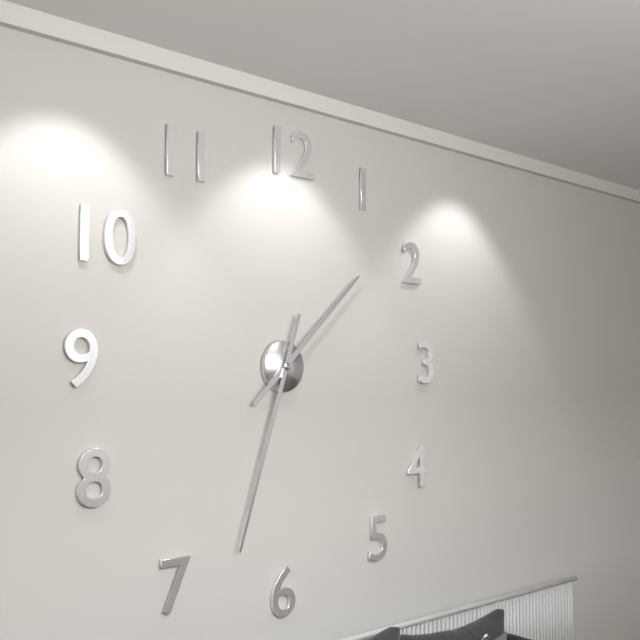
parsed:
1:33
